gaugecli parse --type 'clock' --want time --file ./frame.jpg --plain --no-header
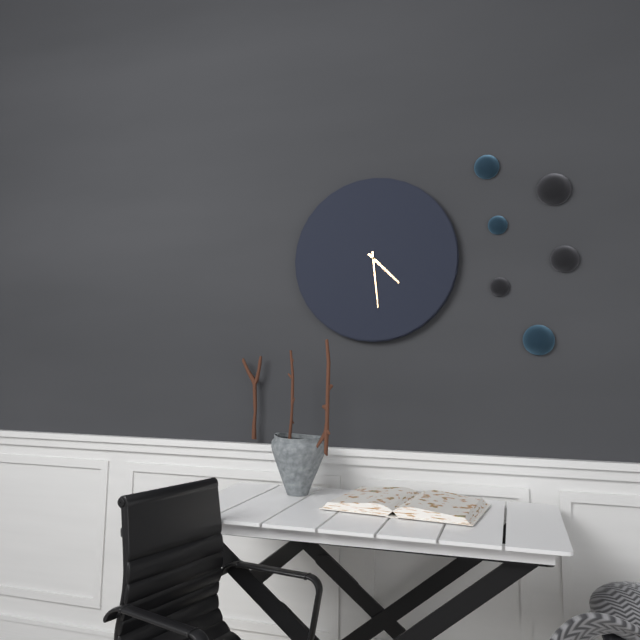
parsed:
4:29
